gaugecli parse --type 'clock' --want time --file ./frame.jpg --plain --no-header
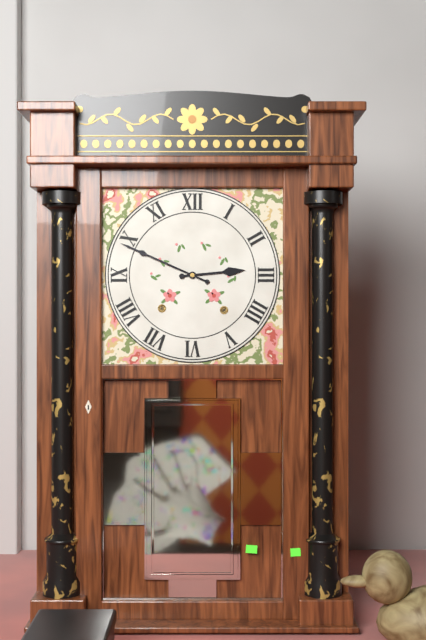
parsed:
2:49
